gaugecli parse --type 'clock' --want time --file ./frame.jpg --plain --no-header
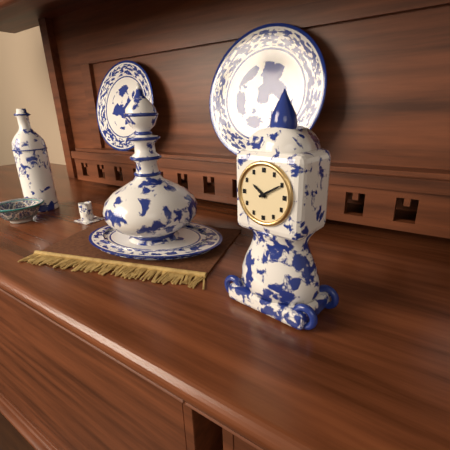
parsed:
10:10
